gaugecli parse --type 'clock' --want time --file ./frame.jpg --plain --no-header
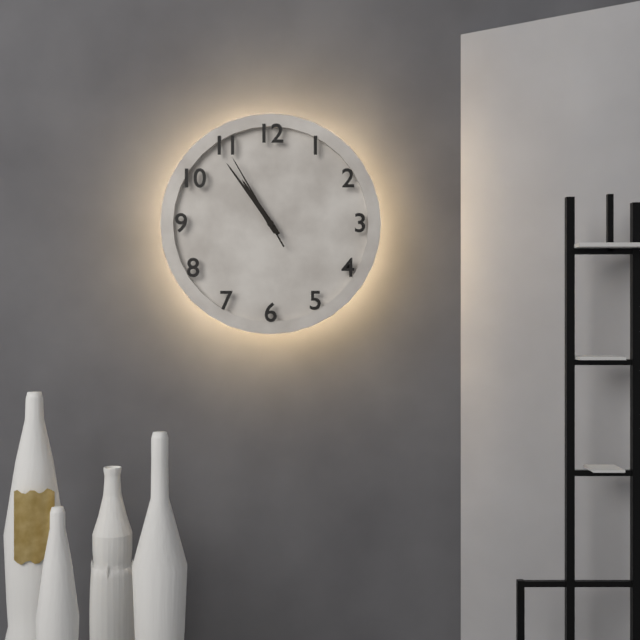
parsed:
10:54:55
